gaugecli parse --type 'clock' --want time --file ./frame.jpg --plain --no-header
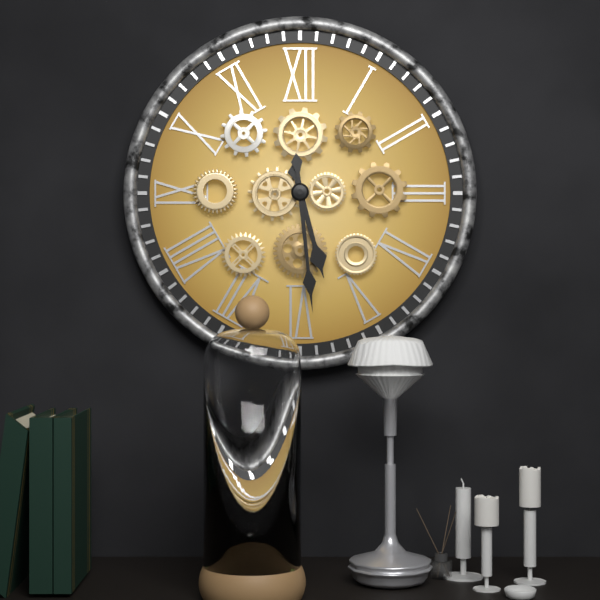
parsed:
5:29
